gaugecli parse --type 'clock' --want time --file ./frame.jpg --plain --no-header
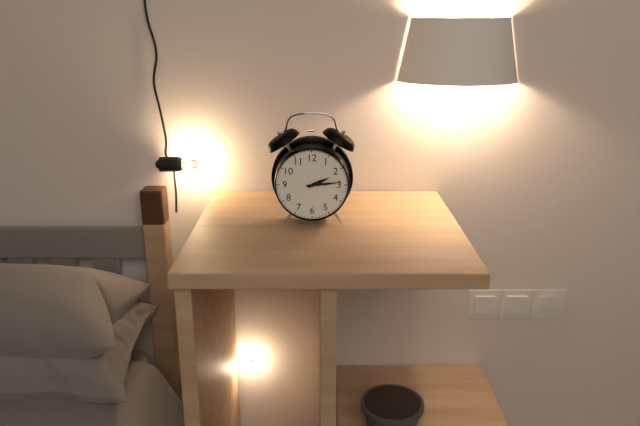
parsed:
2:14
